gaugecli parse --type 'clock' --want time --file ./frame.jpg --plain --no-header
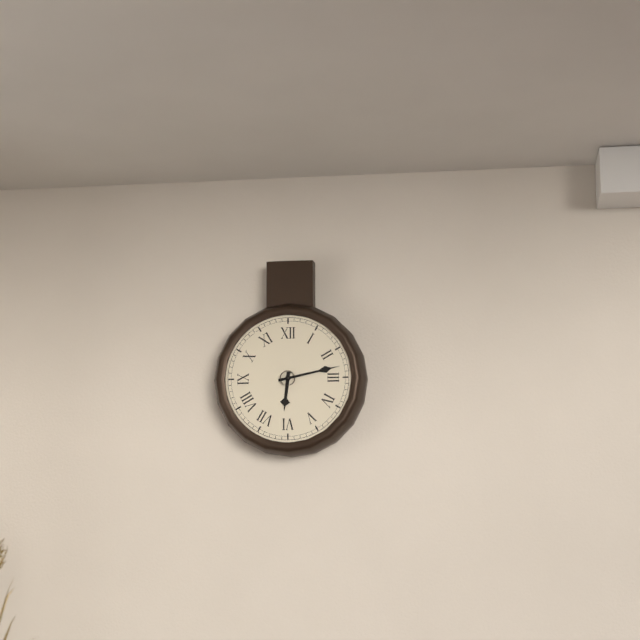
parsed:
6:13
